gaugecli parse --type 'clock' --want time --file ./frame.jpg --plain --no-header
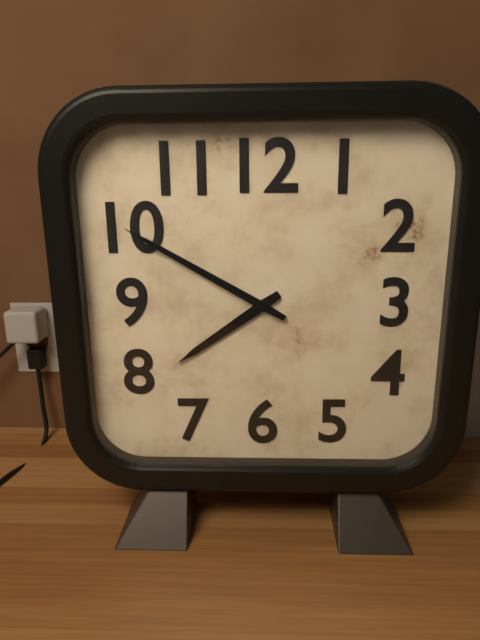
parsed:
7:50
